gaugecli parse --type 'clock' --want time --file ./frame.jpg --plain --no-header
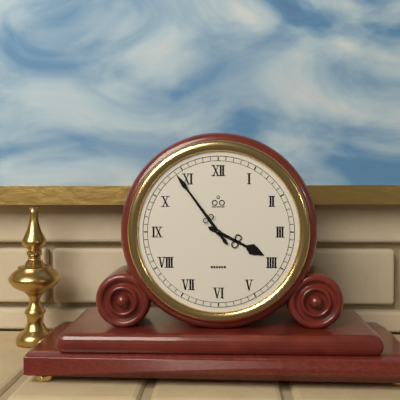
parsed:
3:54
